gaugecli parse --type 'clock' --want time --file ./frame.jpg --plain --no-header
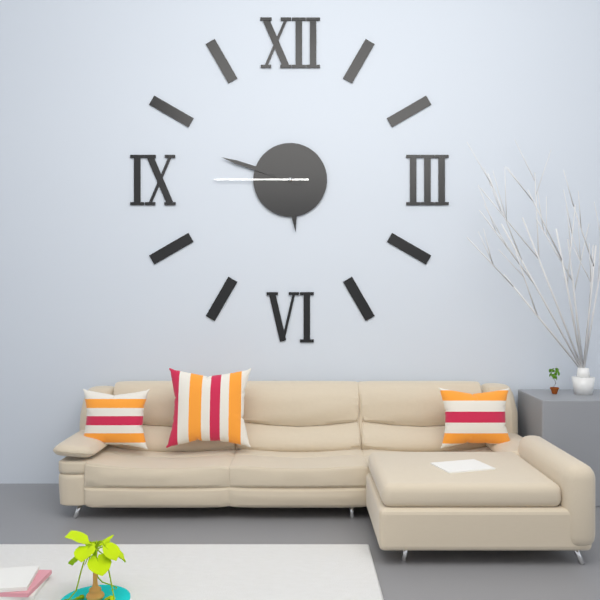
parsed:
5:48:45
